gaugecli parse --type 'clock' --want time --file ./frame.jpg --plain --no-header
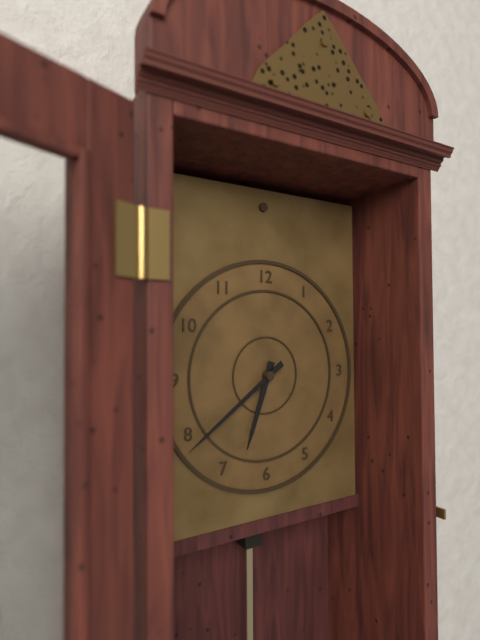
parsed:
6:39
